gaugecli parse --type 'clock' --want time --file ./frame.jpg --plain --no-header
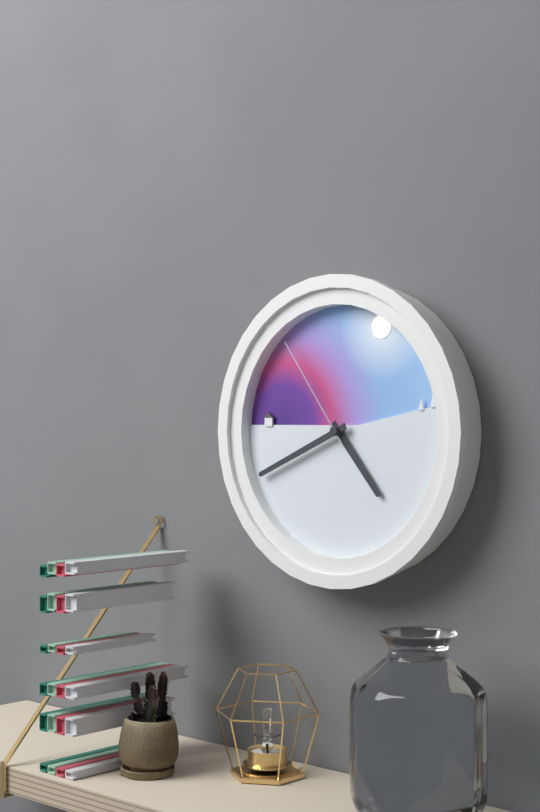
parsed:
4:41:54
